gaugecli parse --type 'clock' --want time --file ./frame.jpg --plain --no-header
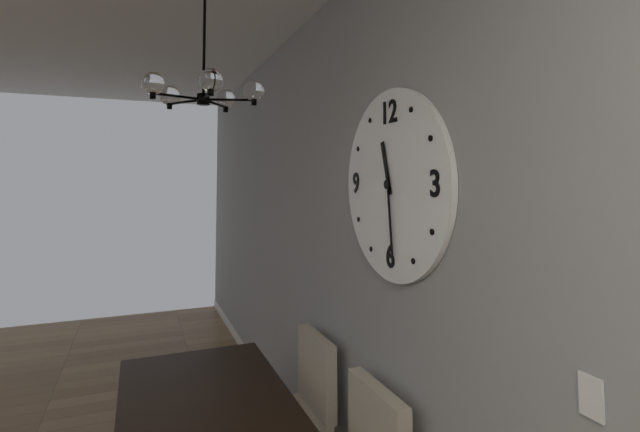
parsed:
11:29
